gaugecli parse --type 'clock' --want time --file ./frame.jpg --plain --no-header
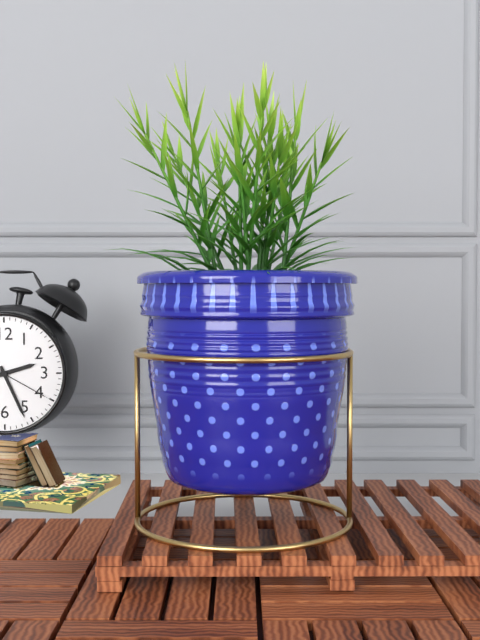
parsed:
2:26:20
